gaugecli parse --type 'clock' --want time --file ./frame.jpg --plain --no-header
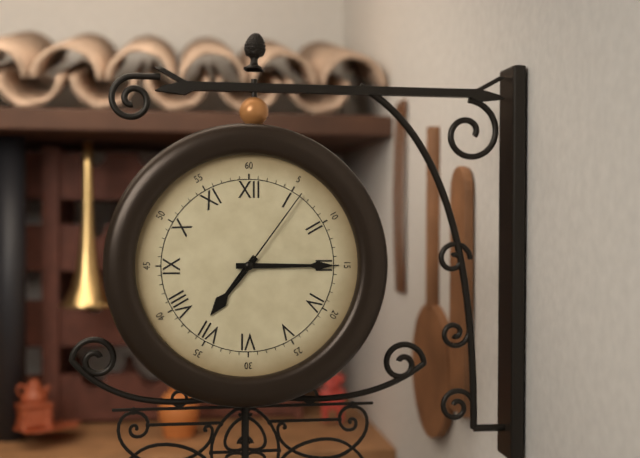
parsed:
7:15:06
